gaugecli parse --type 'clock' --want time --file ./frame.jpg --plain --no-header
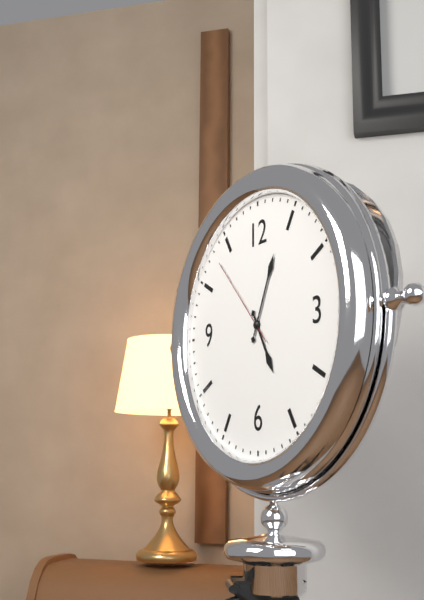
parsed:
5:04:53
